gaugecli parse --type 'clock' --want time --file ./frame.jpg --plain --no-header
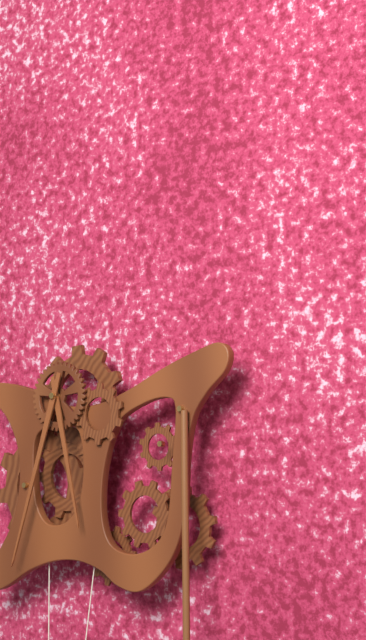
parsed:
5:33
